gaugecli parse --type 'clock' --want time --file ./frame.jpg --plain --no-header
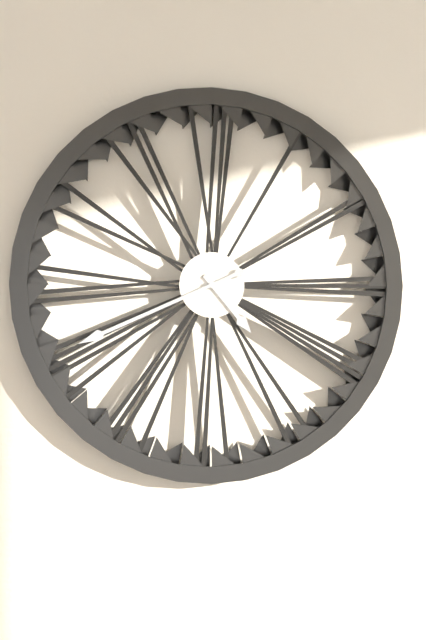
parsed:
4:41
